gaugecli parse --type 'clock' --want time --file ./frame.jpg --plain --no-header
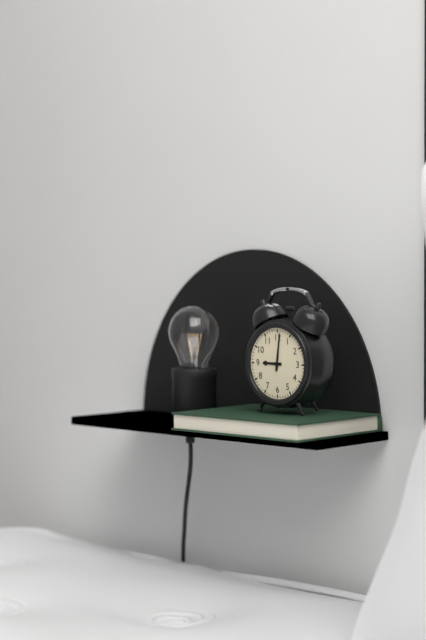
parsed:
9:01
